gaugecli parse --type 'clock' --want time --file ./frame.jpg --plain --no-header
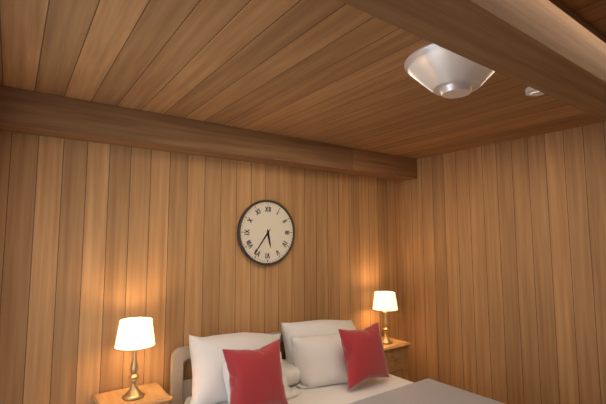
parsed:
5:36
